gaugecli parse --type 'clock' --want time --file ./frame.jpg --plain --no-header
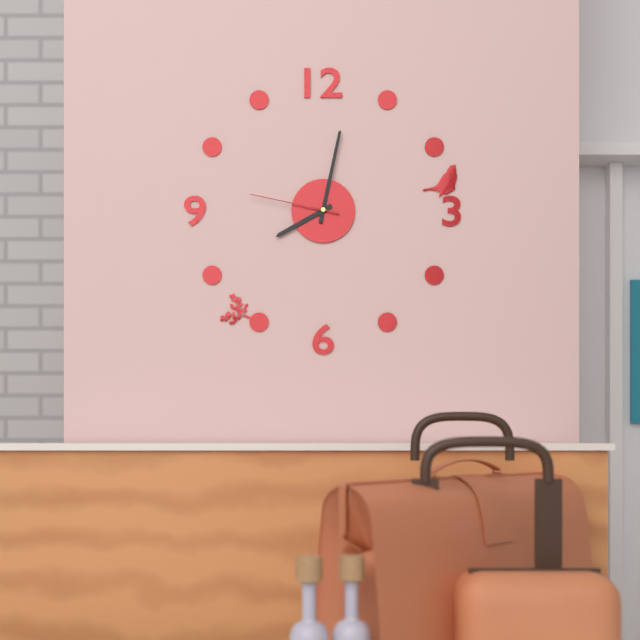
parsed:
8:02:47
